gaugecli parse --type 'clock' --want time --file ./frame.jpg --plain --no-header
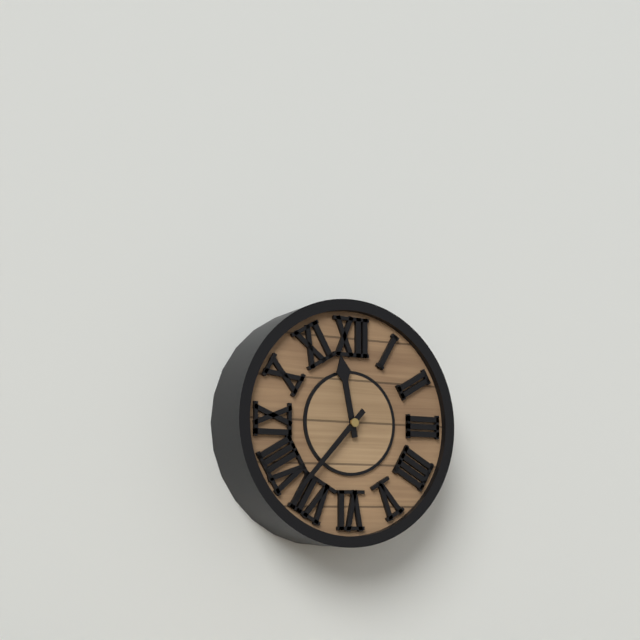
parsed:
11:37
